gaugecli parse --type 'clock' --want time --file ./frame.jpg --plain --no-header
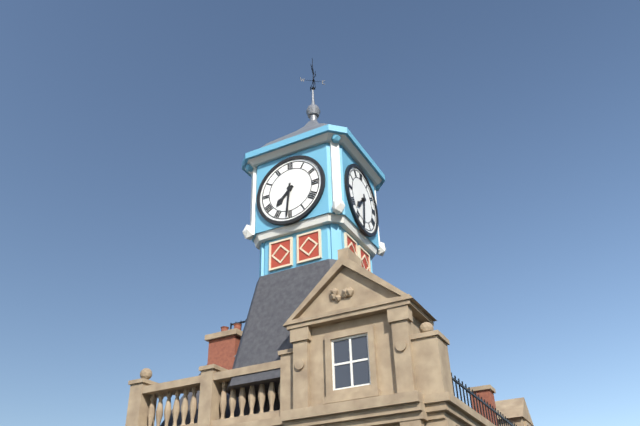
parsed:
7:31
